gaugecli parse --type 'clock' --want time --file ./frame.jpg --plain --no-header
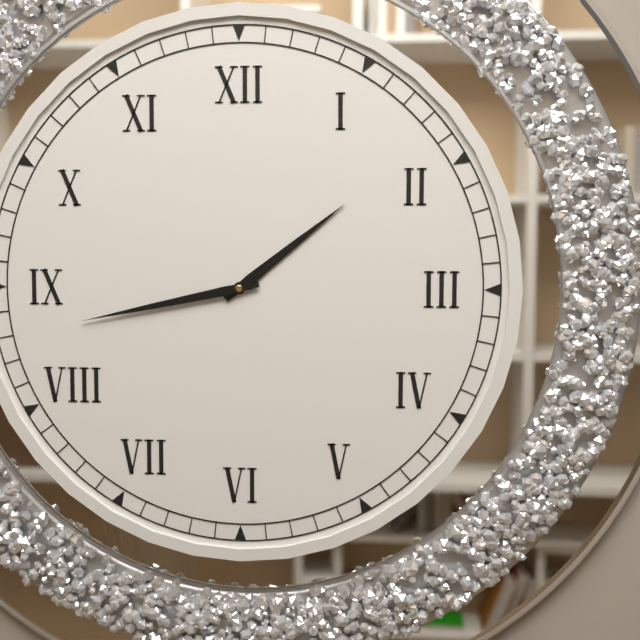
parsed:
1:43
